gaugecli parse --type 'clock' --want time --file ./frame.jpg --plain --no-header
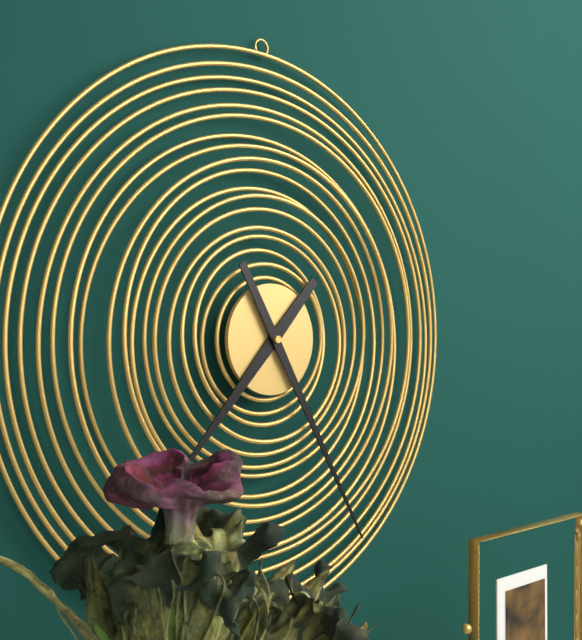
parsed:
7:25
